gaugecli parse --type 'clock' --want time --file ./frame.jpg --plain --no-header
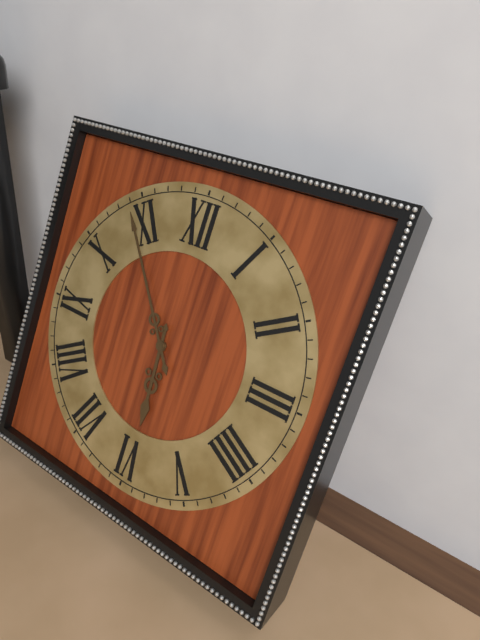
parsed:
5:54
